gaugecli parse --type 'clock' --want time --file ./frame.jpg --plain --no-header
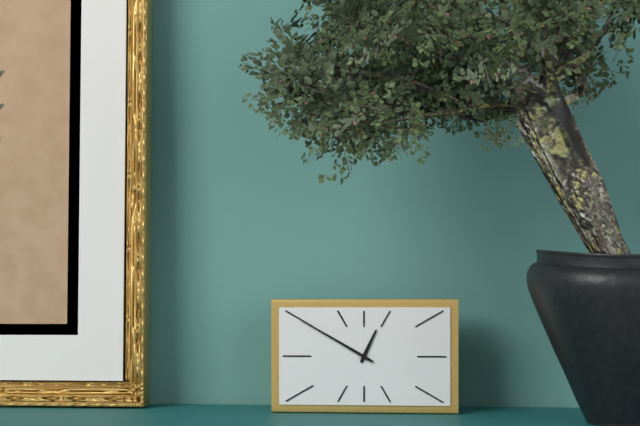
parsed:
12:50
